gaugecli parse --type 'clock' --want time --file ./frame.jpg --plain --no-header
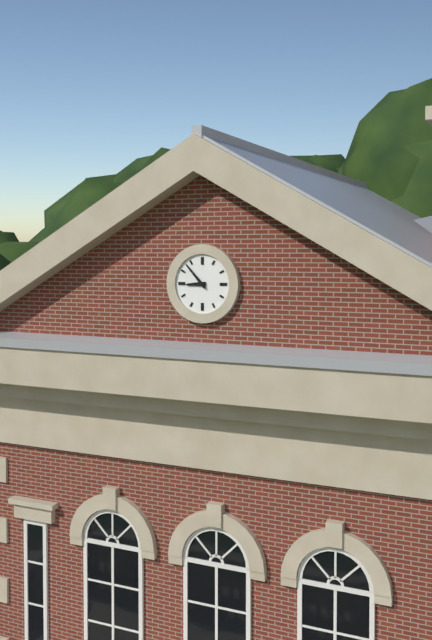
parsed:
8:53
